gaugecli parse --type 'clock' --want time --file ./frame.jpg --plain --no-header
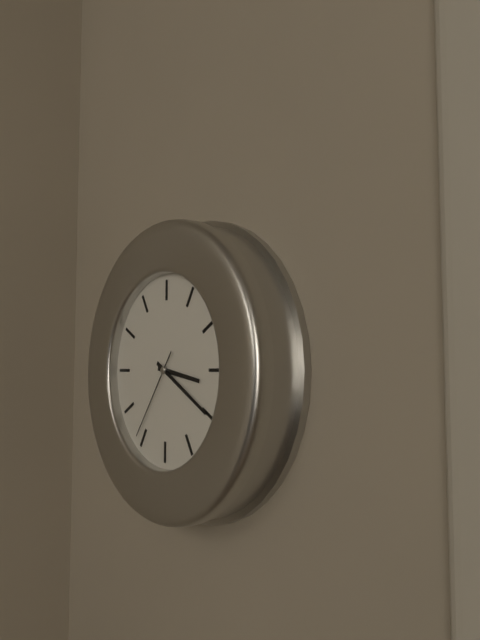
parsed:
3:20:36
